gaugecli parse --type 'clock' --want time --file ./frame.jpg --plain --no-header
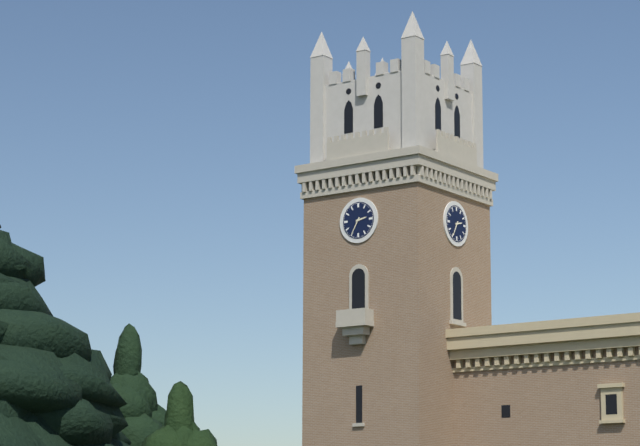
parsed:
2:35
